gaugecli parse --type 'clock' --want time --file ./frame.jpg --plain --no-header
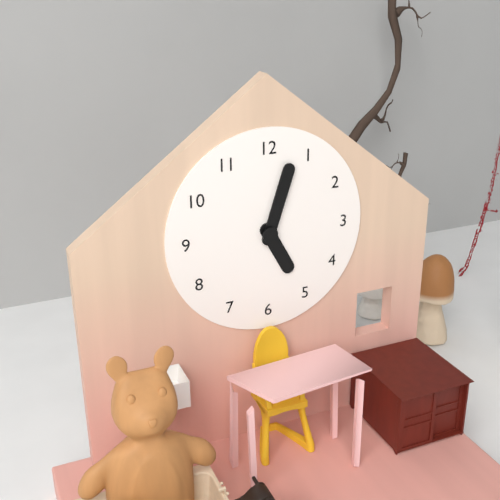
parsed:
5:03
